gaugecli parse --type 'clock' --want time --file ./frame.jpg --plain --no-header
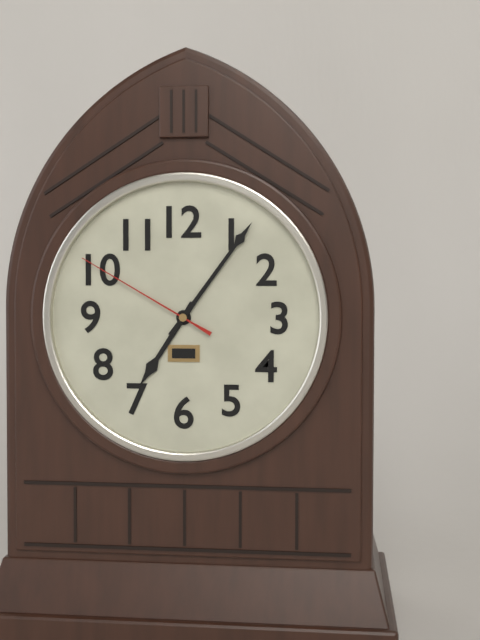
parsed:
7:06:50
